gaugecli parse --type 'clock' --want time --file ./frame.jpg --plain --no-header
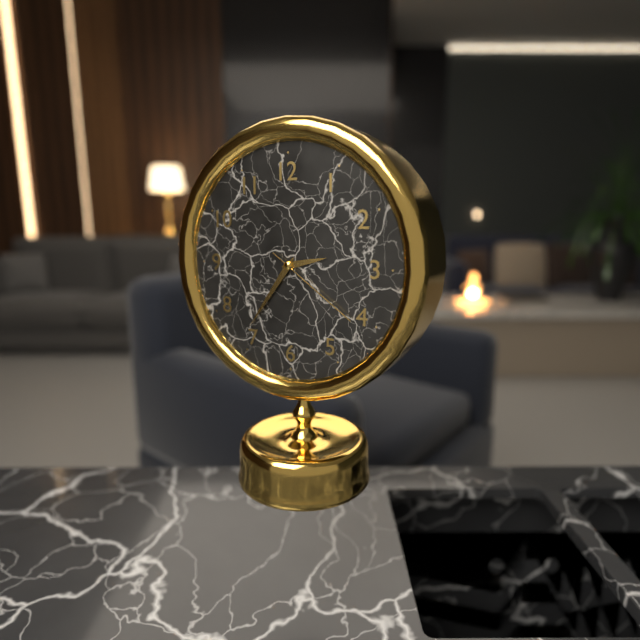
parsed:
2:36:21
